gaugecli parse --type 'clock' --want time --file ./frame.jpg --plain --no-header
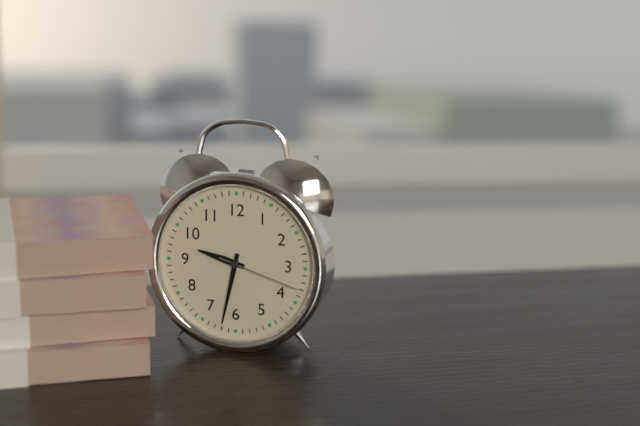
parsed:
9:32:18
